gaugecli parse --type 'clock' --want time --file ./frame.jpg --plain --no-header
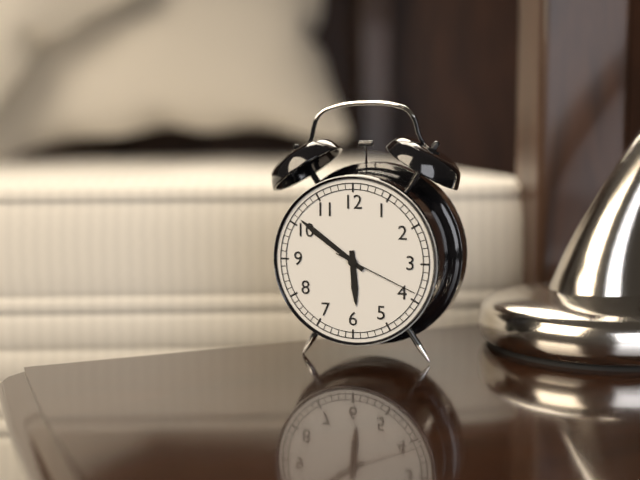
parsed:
5:51:19
